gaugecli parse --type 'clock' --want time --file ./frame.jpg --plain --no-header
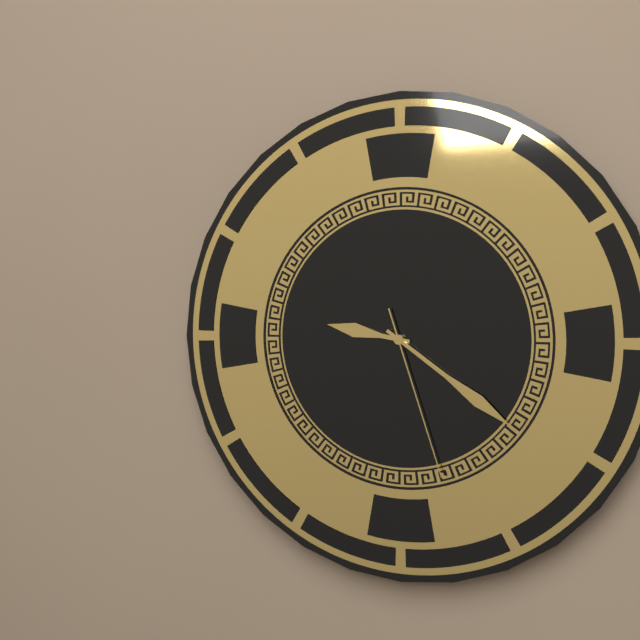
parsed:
9:21:27
